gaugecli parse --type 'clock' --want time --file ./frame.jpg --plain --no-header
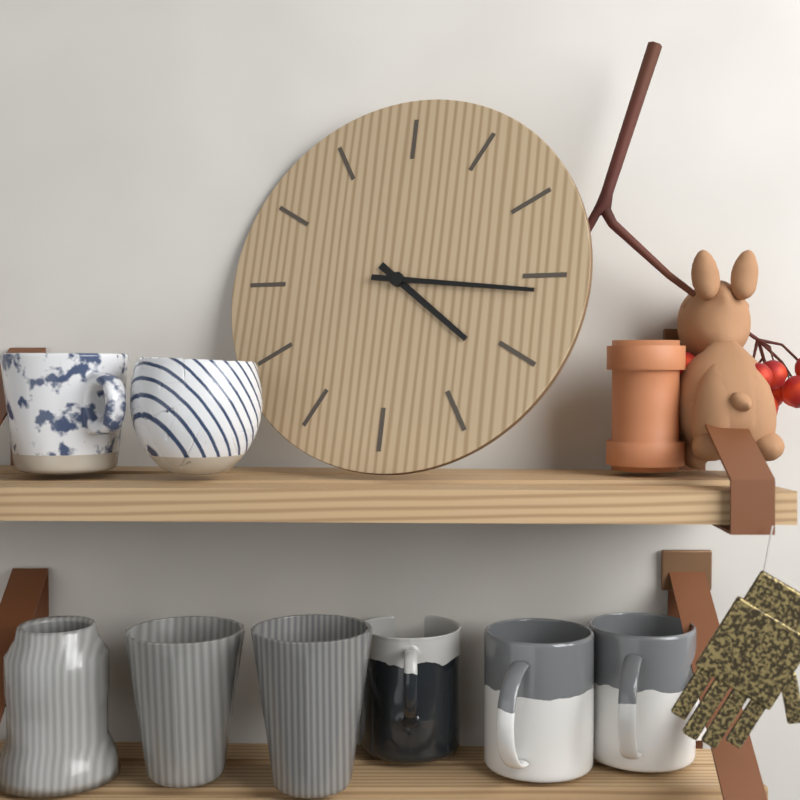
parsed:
4:16
